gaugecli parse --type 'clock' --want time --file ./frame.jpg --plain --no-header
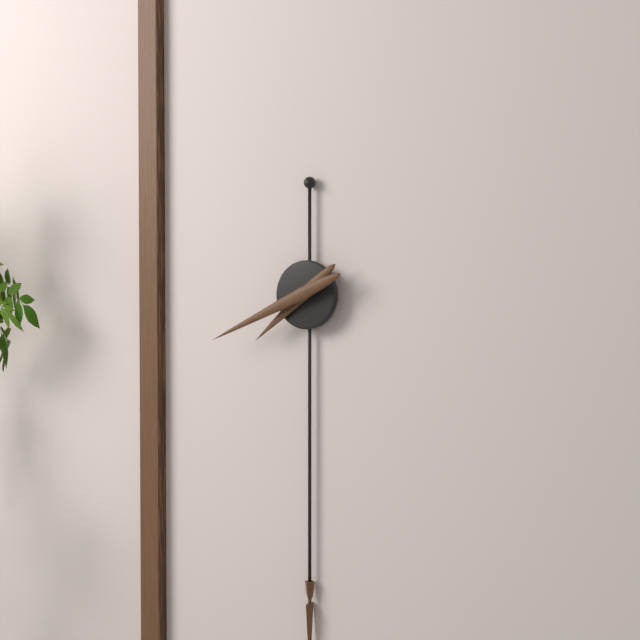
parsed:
7:41
